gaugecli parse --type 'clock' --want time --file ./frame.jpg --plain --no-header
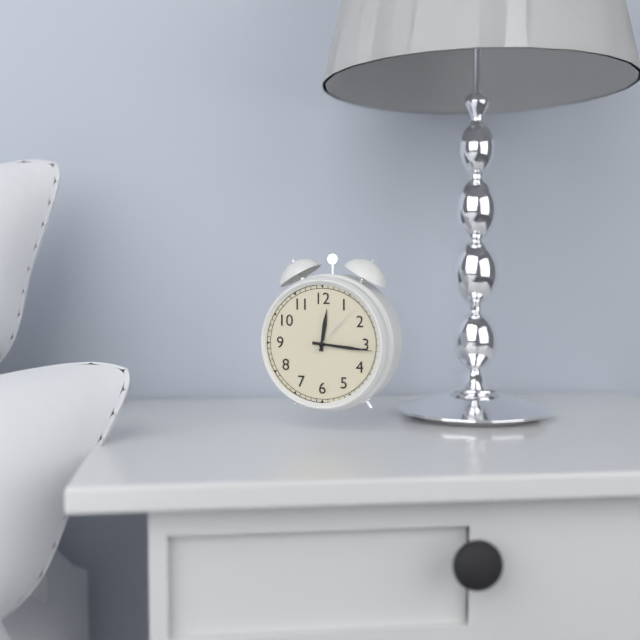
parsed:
12:16:07
